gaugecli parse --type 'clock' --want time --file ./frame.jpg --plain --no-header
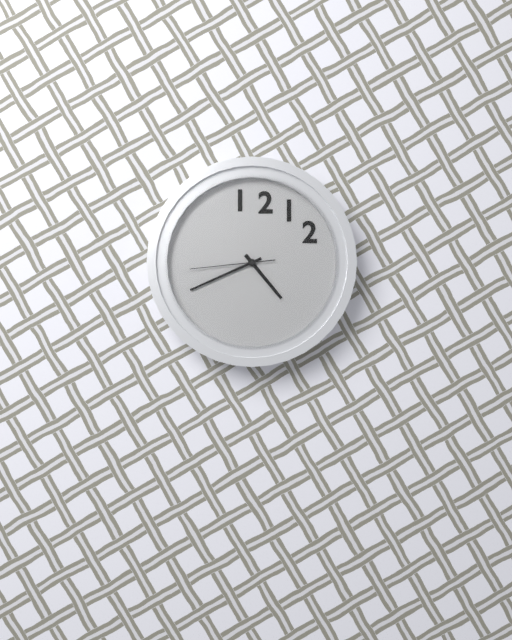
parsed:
4:41:44
